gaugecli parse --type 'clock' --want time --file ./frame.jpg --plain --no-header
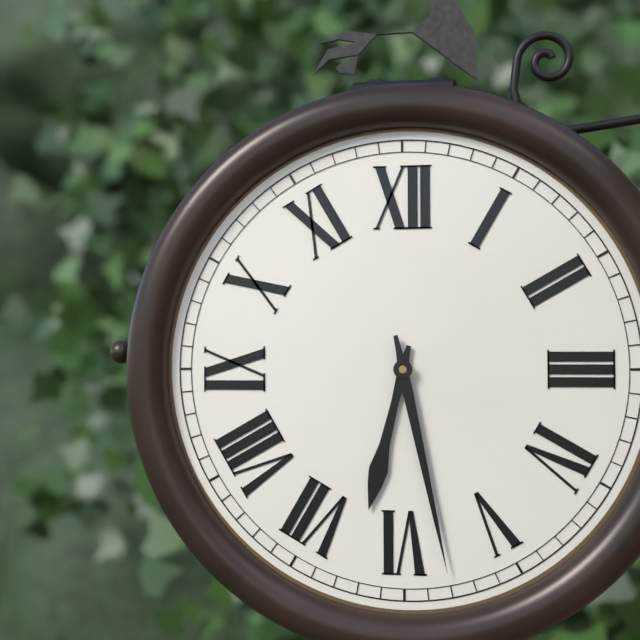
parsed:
6:28
